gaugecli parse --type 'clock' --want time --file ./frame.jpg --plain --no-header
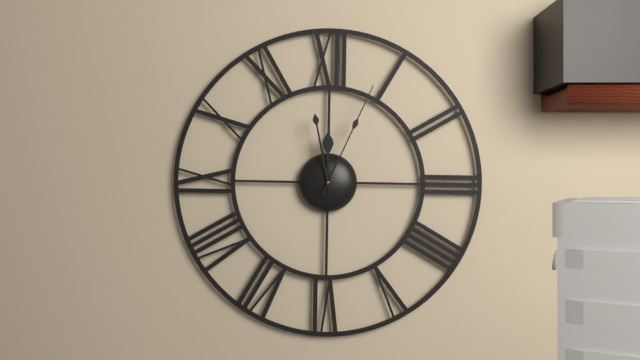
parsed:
11:58:04
